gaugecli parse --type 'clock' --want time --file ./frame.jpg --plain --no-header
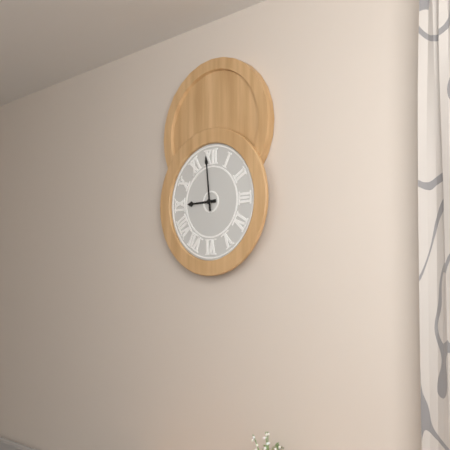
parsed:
8:59
